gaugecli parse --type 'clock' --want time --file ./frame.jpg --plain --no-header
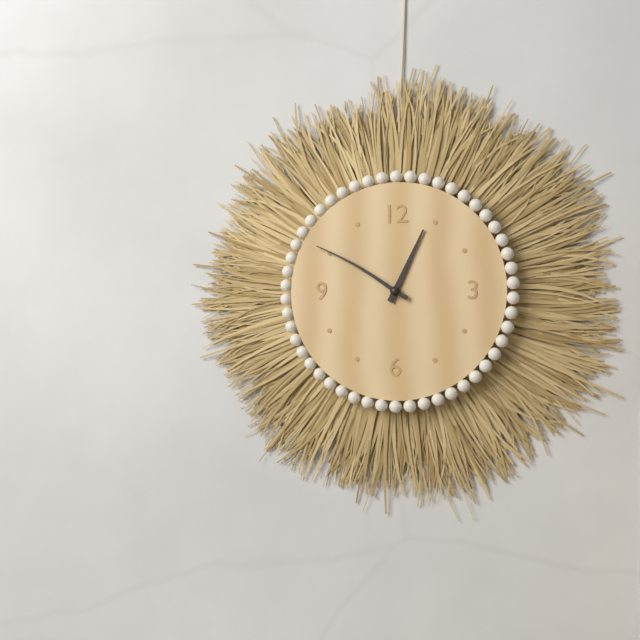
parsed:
12:50
